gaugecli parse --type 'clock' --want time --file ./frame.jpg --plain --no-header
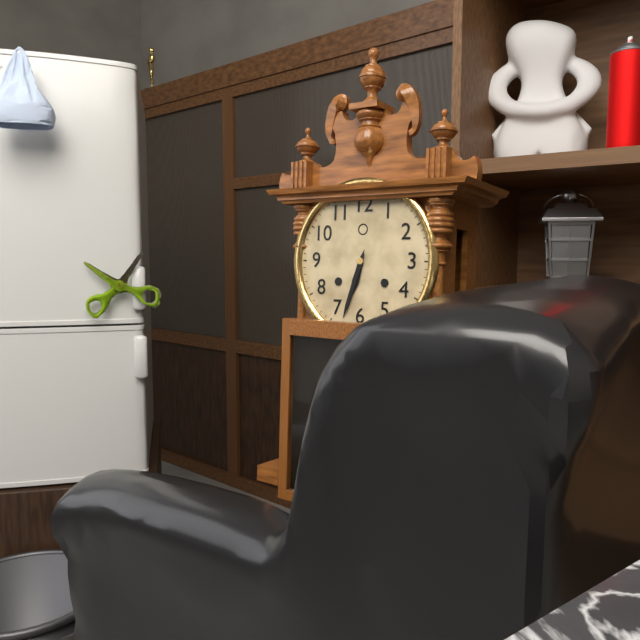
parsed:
6:33
